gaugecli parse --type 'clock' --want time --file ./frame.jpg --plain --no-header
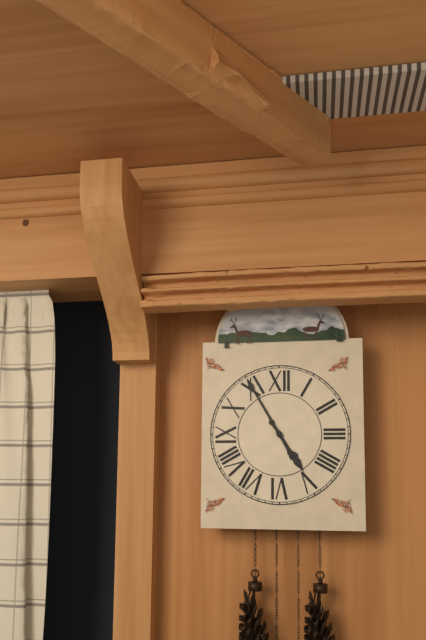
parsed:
4:55
